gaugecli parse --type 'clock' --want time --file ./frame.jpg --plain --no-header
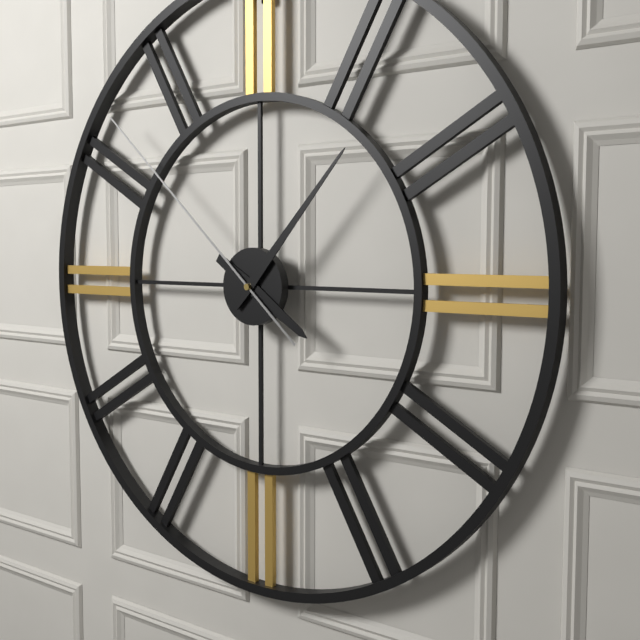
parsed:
4:07:52
